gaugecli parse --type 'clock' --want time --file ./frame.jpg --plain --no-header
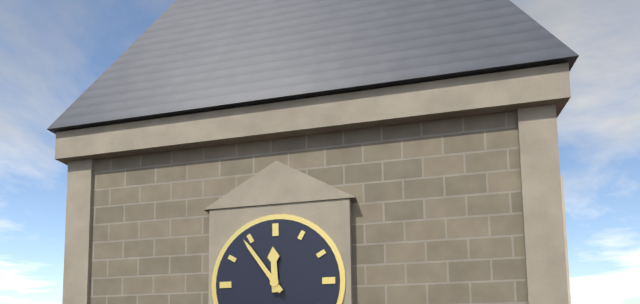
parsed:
11:54
